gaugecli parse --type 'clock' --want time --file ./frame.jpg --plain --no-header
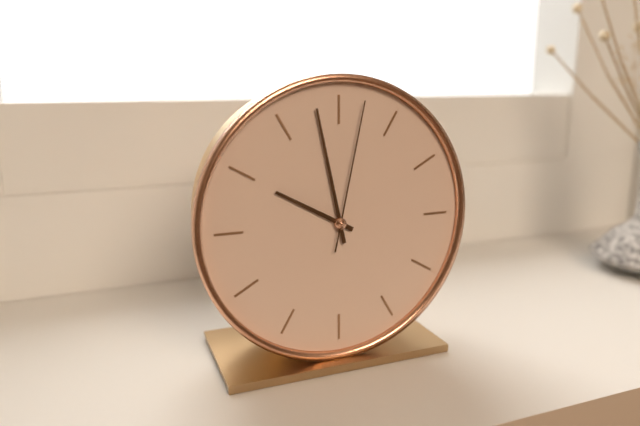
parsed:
9:58:02
